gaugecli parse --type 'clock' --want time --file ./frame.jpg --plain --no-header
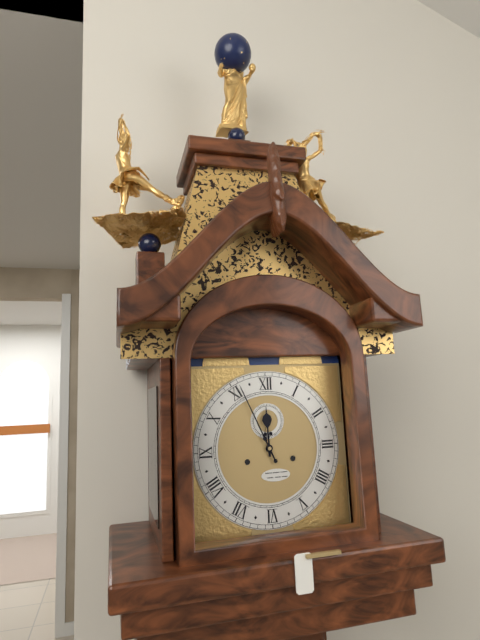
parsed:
11:56
